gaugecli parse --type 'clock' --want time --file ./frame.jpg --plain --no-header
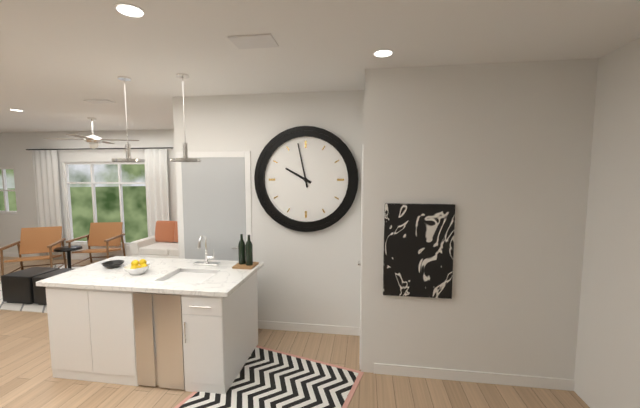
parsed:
9:58
